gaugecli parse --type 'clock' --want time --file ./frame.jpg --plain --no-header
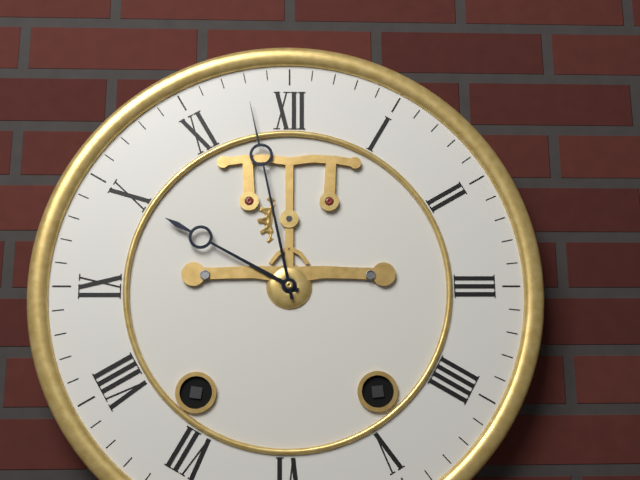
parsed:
9:58
